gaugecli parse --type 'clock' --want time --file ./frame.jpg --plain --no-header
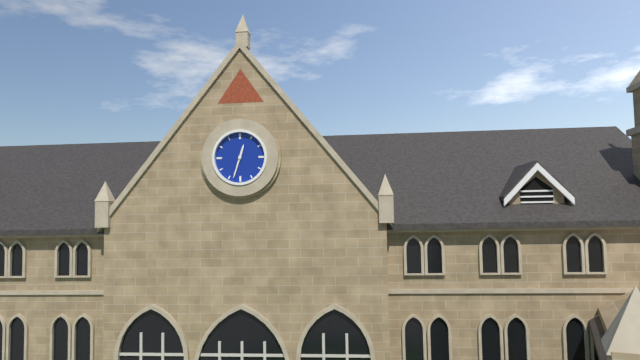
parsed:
12:33
